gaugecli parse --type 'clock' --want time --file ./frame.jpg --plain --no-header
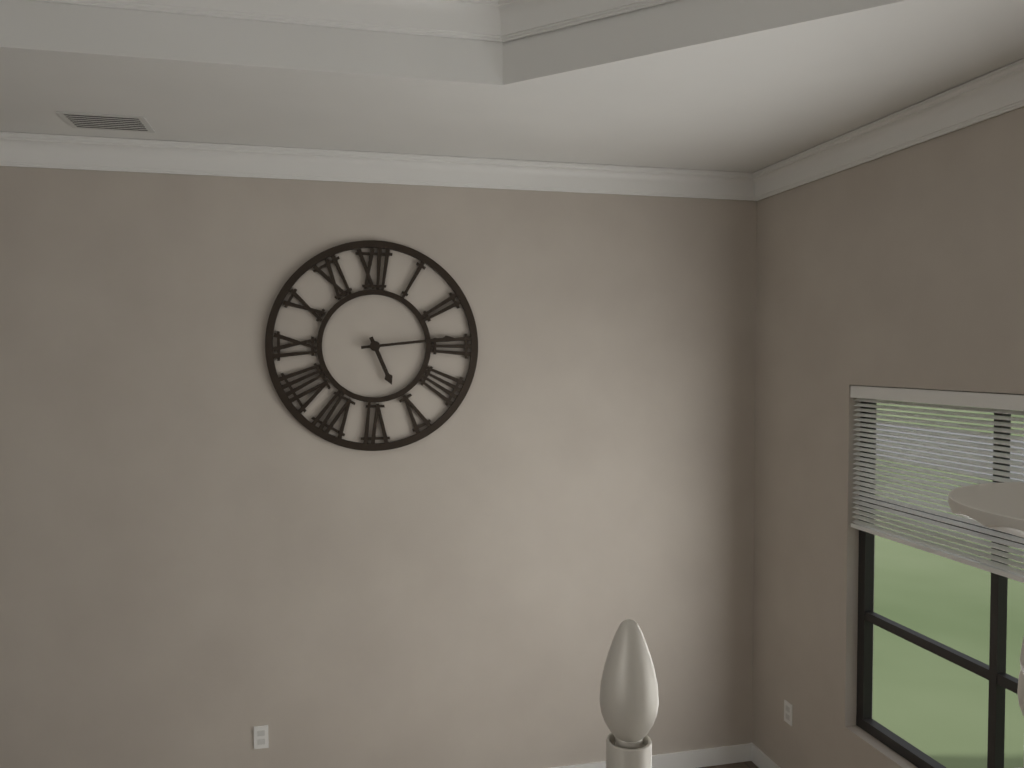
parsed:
5:14
